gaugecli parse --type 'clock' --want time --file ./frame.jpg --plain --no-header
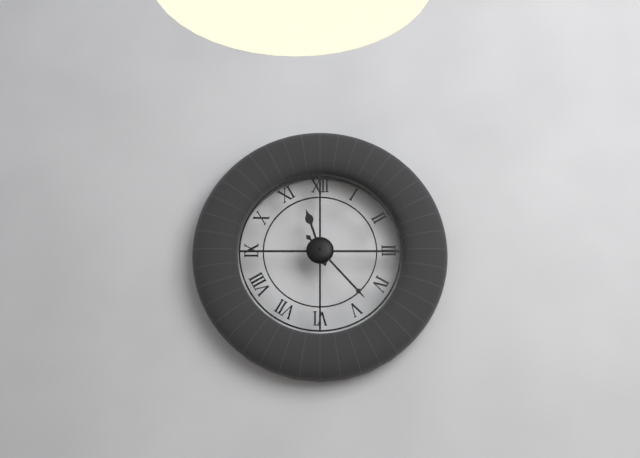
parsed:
11:23
